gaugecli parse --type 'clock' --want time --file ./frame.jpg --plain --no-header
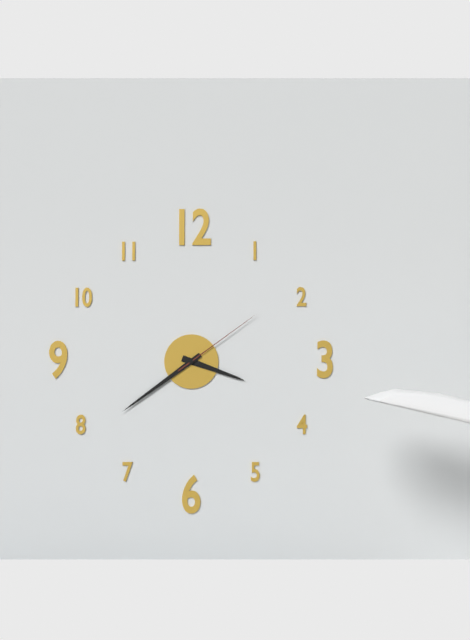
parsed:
3:39:09
